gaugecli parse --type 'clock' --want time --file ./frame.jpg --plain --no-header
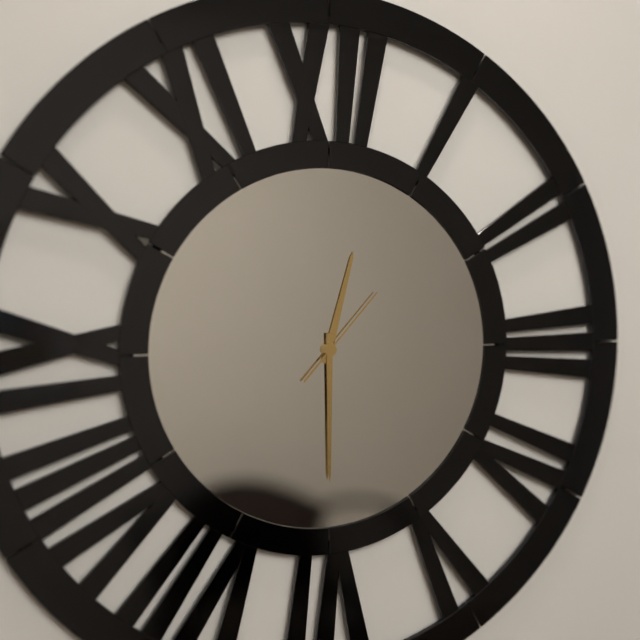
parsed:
12:30:07
